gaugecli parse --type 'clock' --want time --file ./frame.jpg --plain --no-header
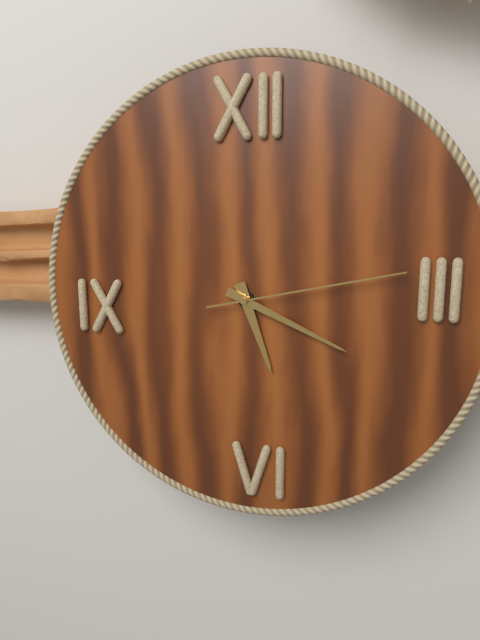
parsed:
5:19:13
